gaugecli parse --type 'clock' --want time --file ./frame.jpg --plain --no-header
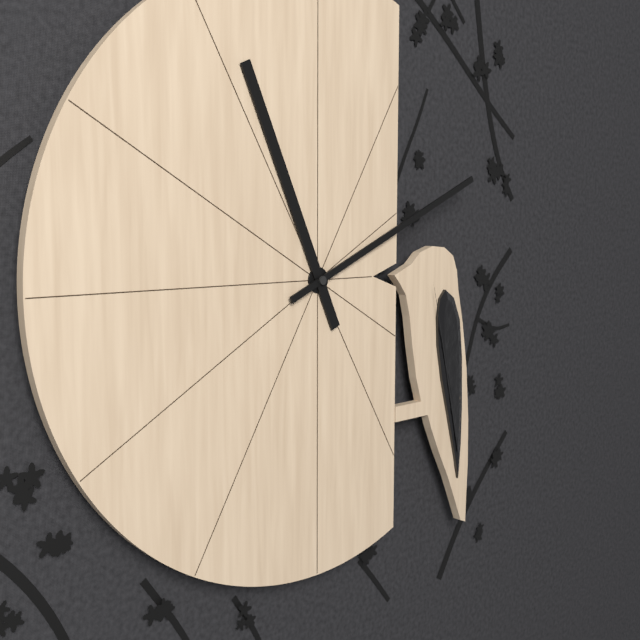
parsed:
11:11
